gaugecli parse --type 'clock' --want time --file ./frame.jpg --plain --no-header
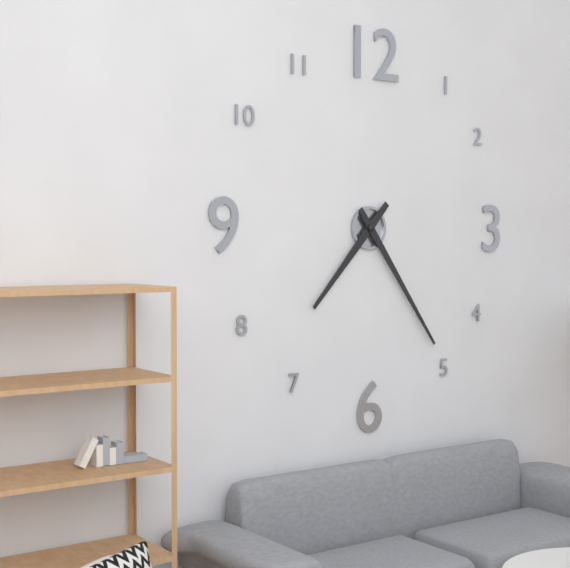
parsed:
7:24
